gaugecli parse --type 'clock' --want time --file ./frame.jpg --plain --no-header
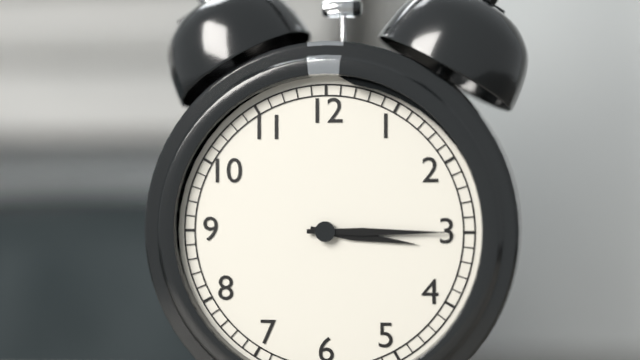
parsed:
3:15
